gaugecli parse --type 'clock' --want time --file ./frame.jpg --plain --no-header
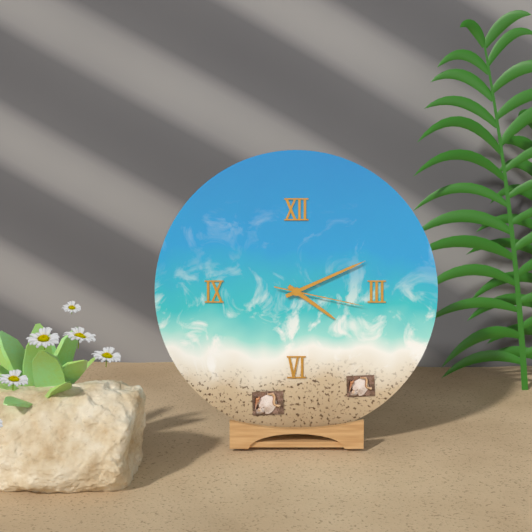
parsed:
4:11:17
